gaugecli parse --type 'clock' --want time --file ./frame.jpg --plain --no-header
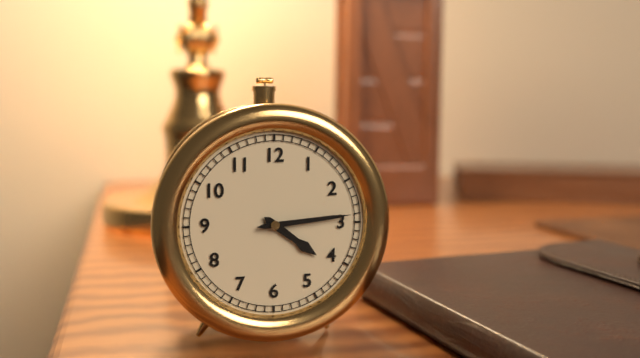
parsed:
4:14
